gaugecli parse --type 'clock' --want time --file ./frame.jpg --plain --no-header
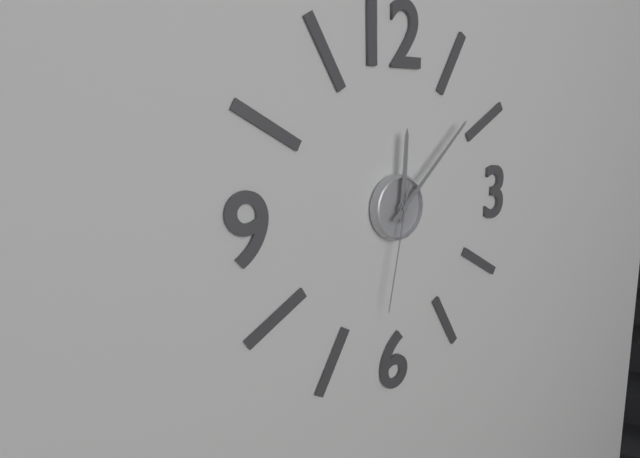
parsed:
12:08:32
